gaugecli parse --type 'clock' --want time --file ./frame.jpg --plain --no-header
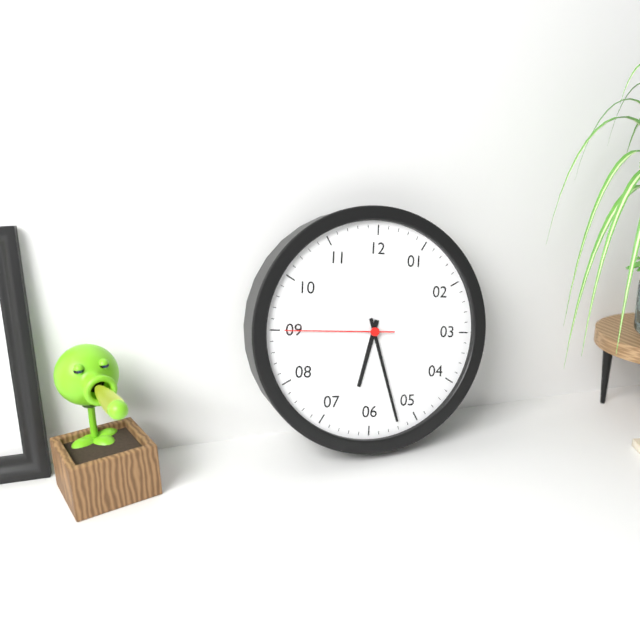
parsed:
6:27:45
